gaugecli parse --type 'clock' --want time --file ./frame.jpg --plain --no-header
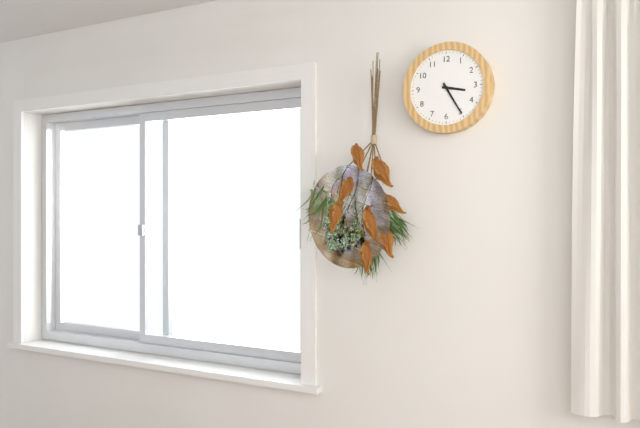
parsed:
3:25
